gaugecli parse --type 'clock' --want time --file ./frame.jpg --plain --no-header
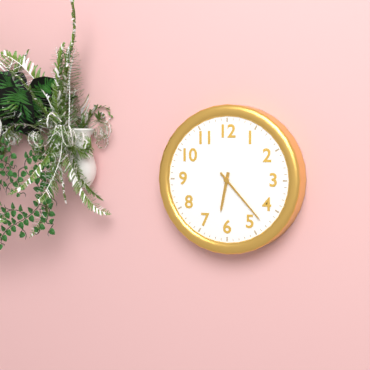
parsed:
6:23
